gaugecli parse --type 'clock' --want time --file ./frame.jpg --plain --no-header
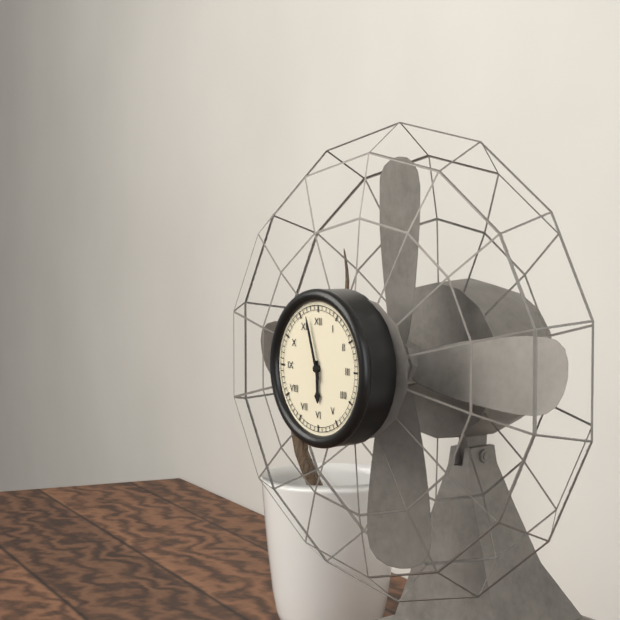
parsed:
5:57
